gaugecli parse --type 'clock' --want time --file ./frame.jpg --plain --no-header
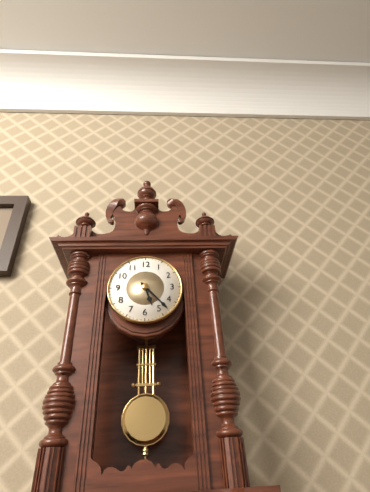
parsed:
5:23
